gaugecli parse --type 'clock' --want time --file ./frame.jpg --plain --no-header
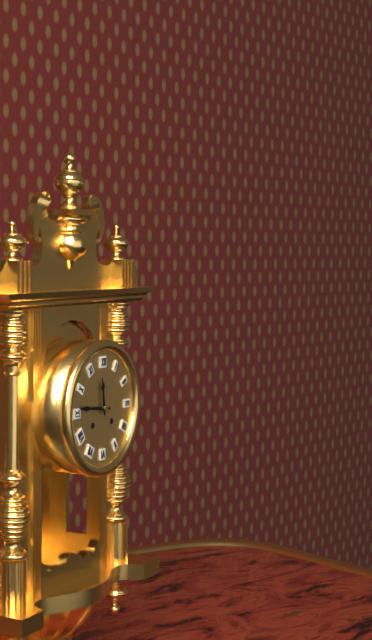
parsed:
11:46
